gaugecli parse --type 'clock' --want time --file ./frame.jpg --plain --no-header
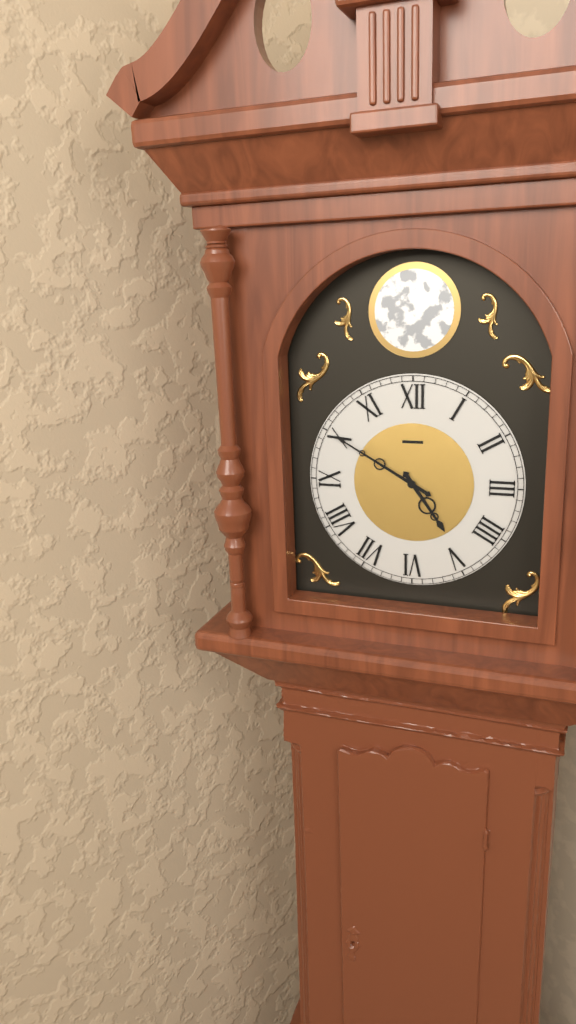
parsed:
4:50
